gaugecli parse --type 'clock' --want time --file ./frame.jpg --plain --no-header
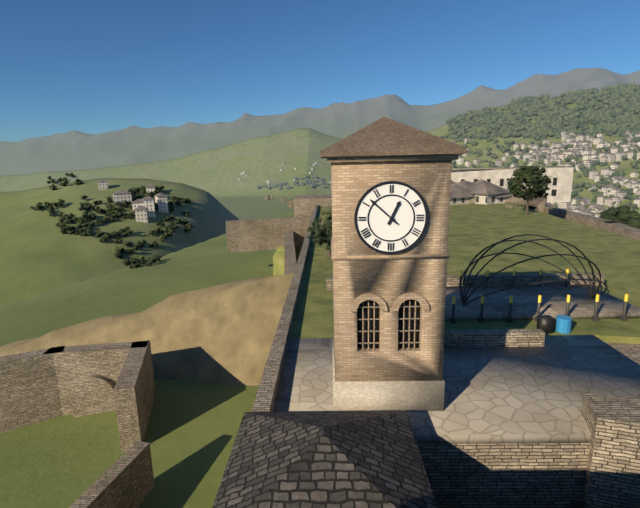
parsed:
12:52
